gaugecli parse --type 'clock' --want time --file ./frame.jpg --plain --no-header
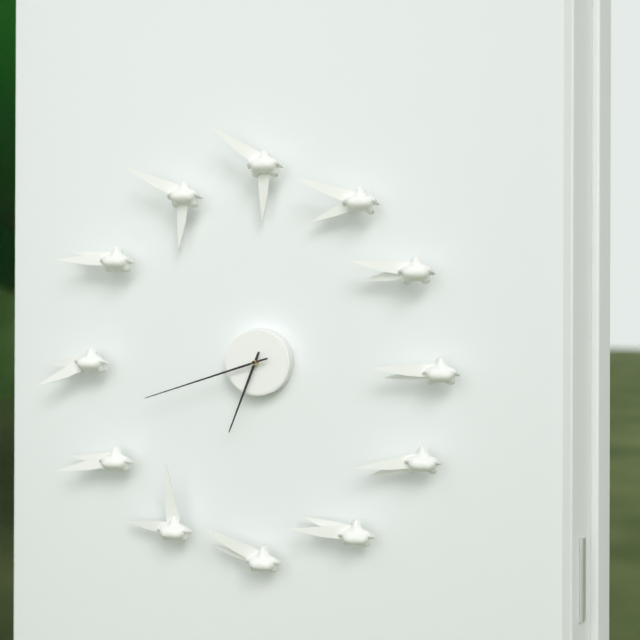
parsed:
6:42
